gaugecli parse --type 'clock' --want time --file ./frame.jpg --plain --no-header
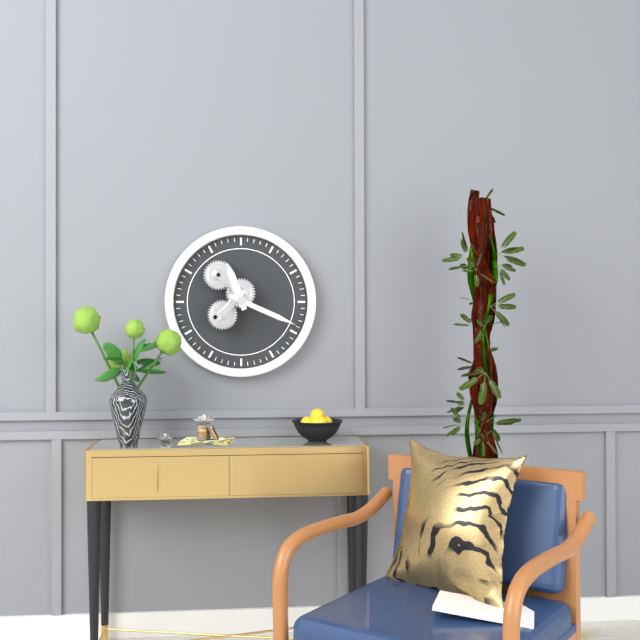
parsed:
11:19
